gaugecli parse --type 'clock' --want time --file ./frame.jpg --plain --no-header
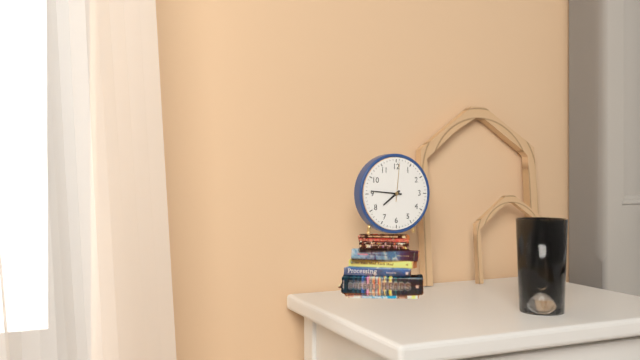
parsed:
7:46
